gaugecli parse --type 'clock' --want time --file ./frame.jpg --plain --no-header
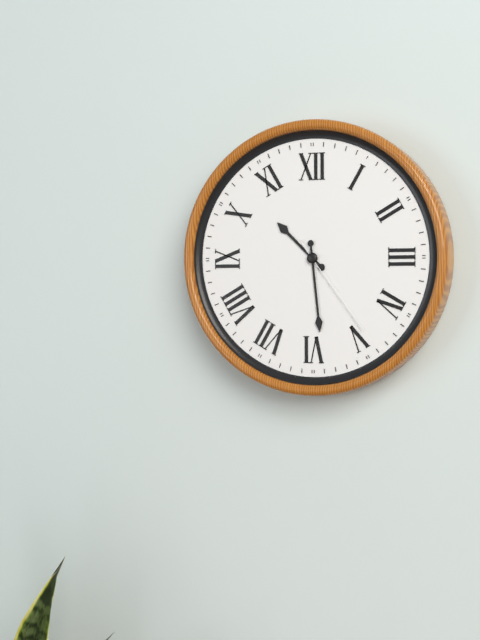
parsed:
10:29:24
